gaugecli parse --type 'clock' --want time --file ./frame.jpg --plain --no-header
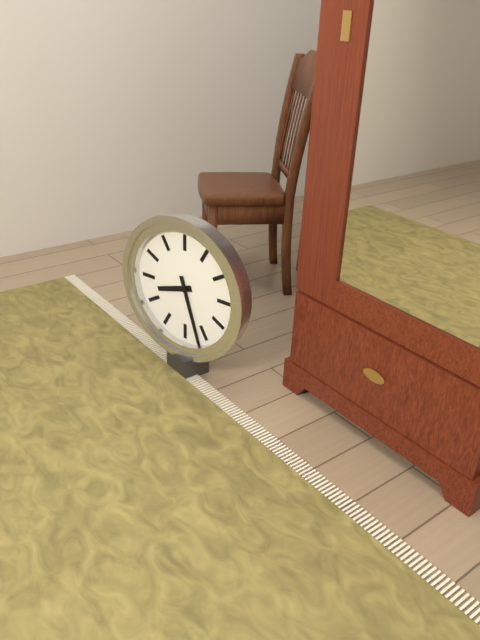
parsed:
8:27
